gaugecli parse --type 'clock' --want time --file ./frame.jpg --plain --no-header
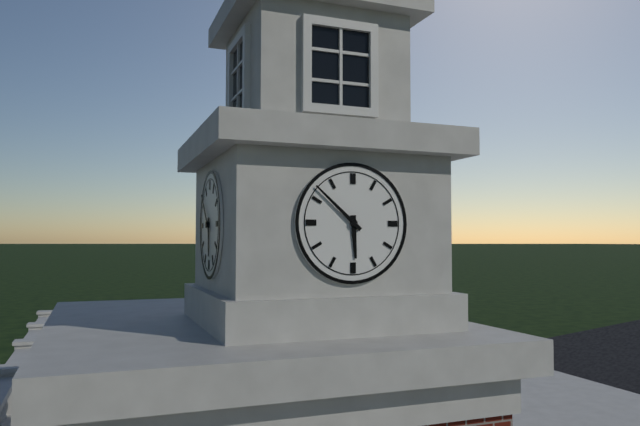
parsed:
5:52
